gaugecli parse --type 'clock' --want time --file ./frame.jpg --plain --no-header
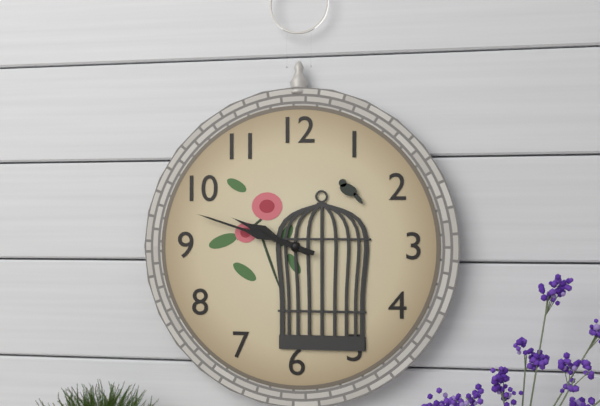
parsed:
9:48
